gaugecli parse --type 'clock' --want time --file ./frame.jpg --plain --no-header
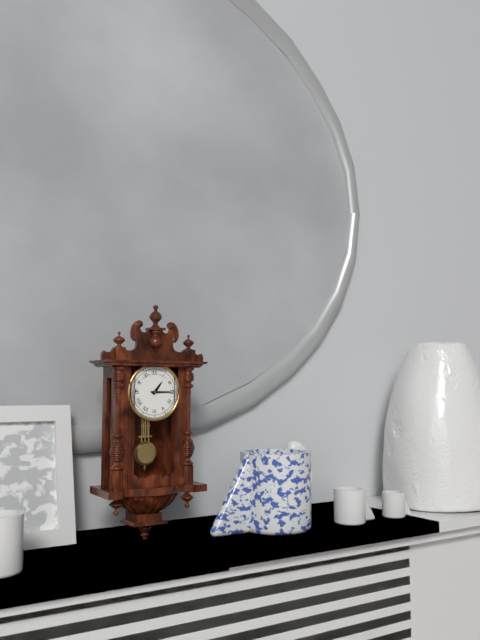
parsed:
1:15
